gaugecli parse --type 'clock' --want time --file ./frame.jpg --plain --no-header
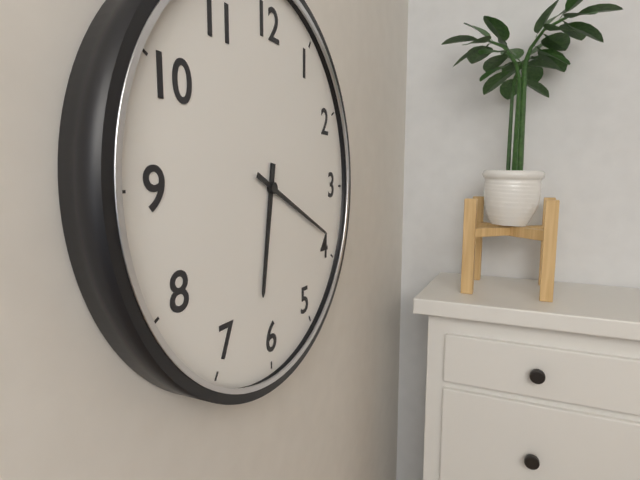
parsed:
6:19
